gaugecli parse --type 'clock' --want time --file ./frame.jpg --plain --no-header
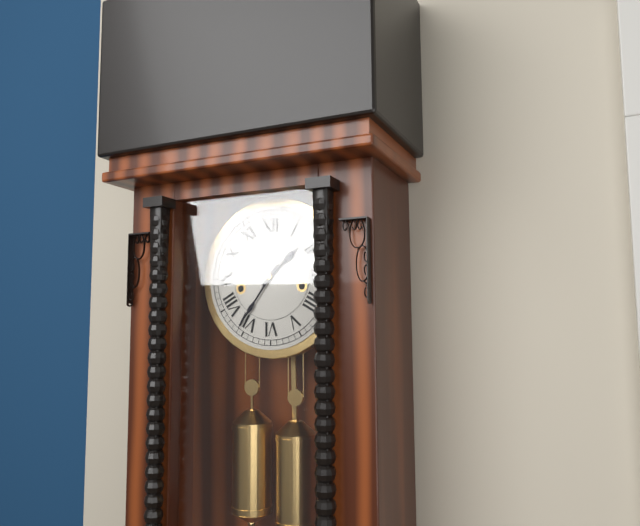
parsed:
1:36
